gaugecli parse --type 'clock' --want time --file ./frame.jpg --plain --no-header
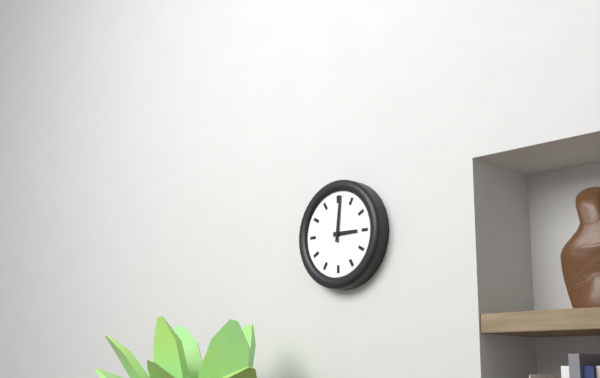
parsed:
3:01
